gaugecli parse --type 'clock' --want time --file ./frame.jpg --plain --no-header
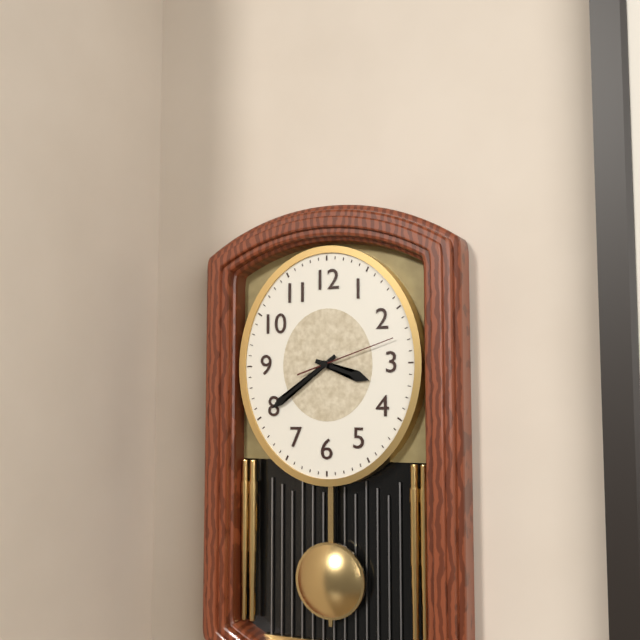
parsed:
3:39:12
